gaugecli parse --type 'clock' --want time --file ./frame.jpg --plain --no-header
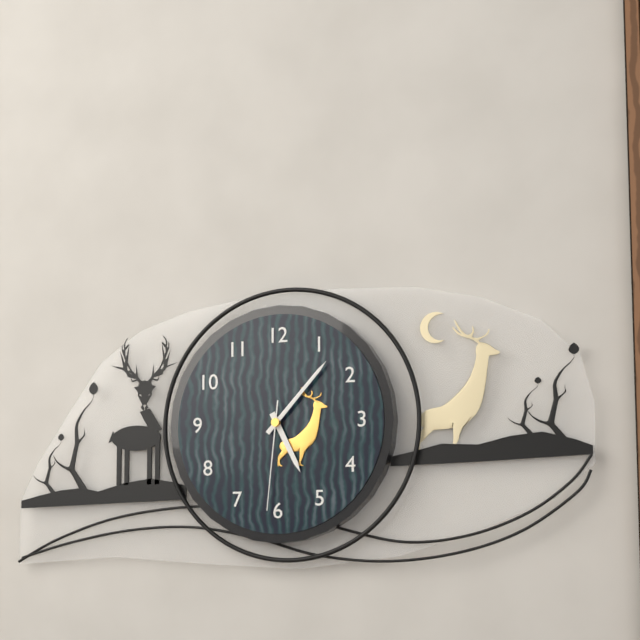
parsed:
5:07:31
